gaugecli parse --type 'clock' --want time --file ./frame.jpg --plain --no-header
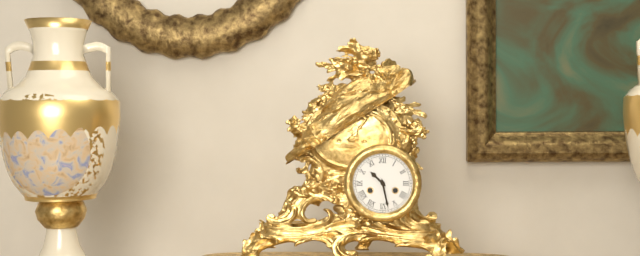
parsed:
10:28
